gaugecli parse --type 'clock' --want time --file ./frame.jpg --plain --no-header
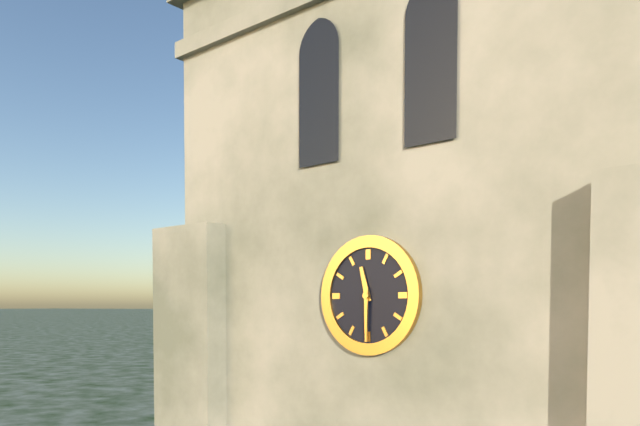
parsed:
11:30
